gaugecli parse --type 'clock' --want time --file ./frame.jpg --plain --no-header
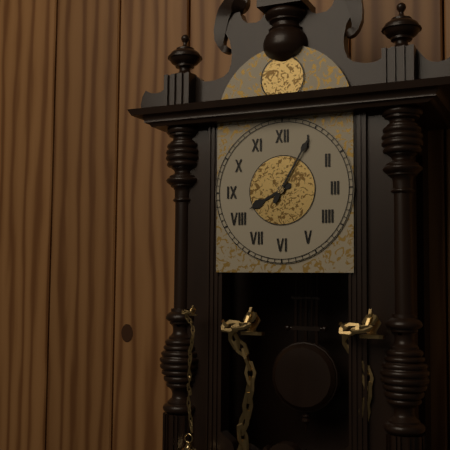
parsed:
8:05
